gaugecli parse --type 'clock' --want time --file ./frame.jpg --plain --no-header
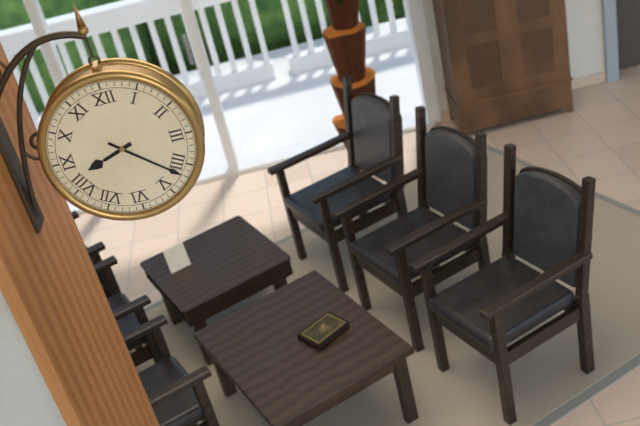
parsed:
8:22
